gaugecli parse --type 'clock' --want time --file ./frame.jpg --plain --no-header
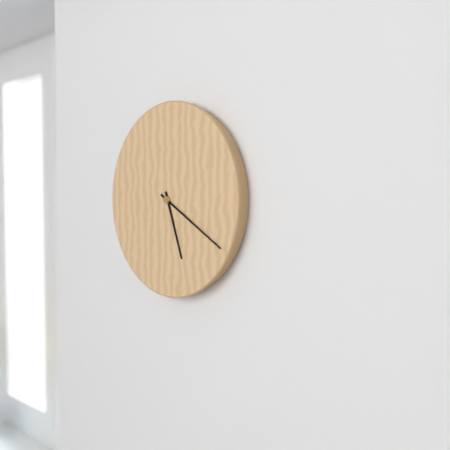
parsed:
5:20
